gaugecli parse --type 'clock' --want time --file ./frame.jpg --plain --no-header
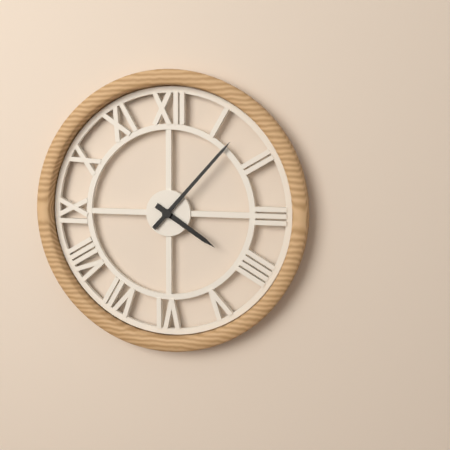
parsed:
4:07
